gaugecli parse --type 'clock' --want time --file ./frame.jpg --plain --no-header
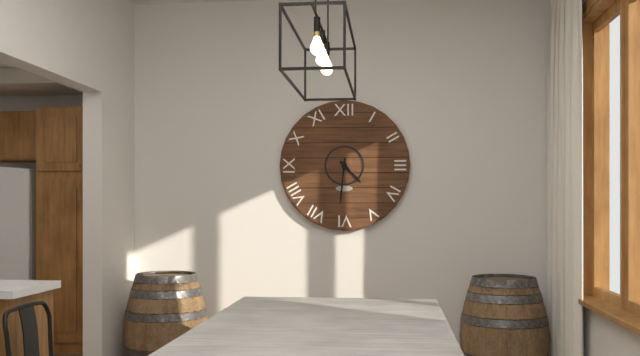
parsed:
4:31
